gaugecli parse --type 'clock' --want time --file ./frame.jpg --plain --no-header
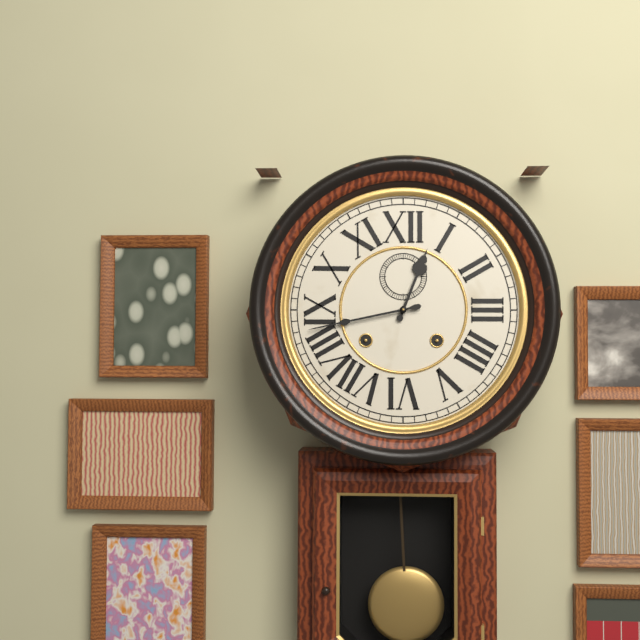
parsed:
12:43
